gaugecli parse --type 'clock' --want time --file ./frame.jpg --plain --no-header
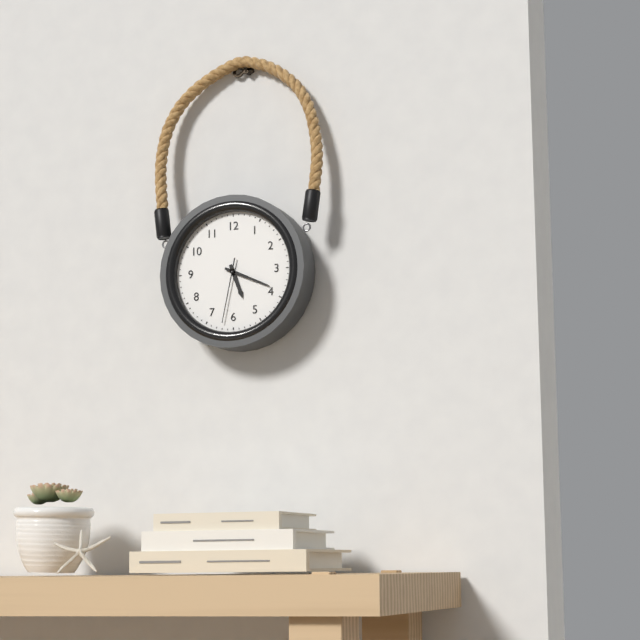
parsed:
5:19:32
